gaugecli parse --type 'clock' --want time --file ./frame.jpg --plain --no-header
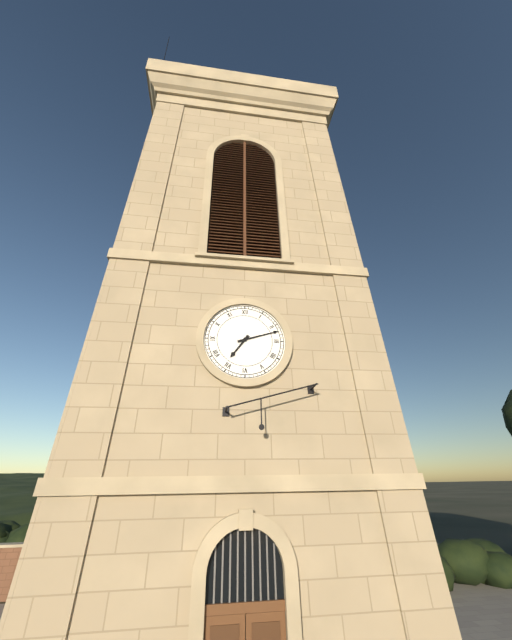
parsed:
7:12
